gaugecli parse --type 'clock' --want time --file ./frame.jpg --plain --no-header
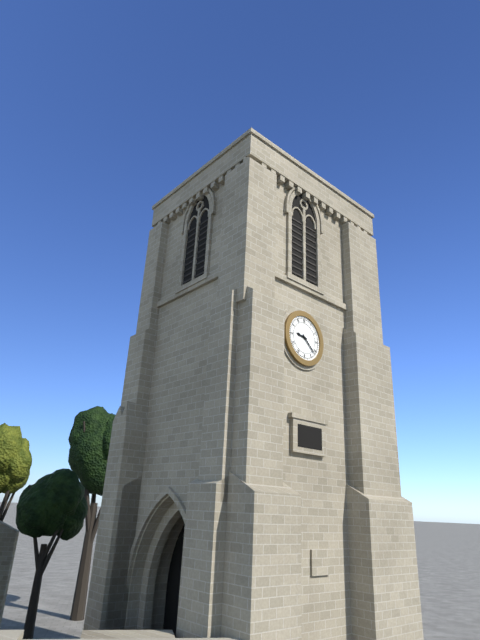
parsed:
9:22
